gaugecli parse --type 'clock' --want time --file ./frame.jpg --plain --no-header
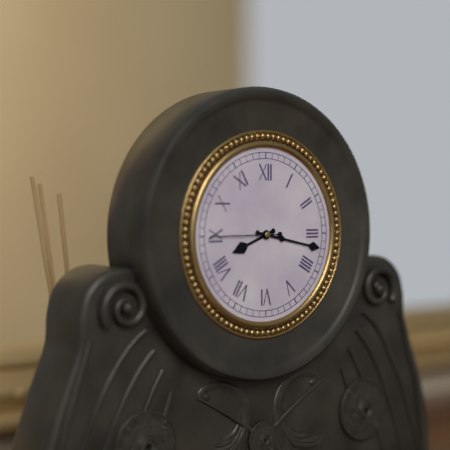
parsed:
8:17:45
